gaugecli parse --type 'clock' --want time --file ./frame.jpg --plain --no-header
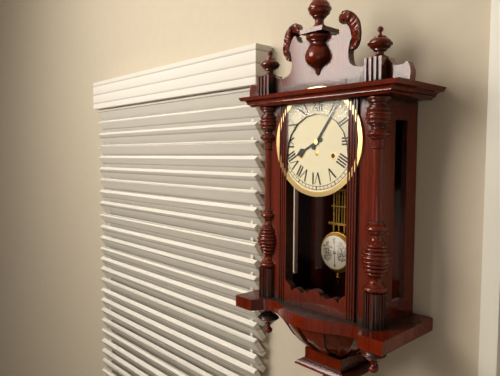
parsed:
8:06
